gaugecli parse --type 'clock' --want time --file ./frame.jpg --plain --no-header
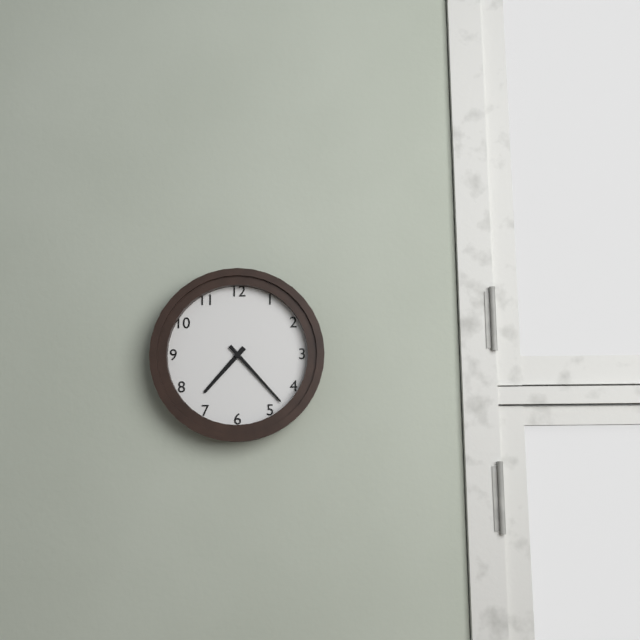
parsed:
7:23
